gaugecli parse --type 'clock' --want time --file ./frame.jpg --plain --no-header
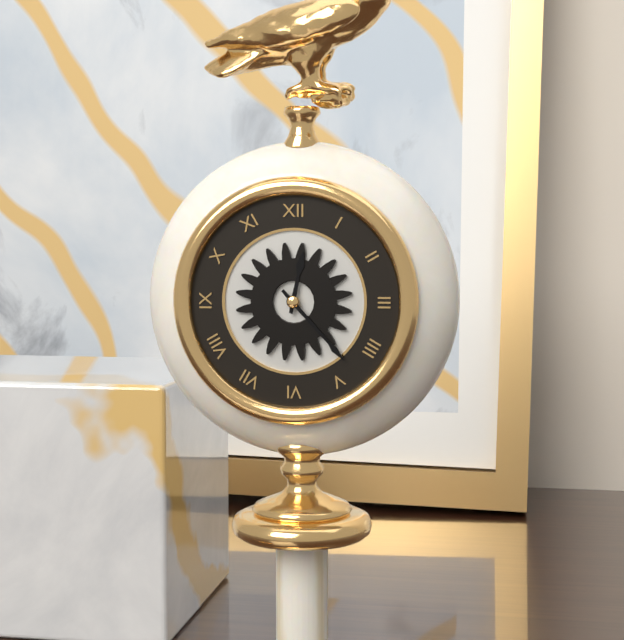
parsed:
12:23
